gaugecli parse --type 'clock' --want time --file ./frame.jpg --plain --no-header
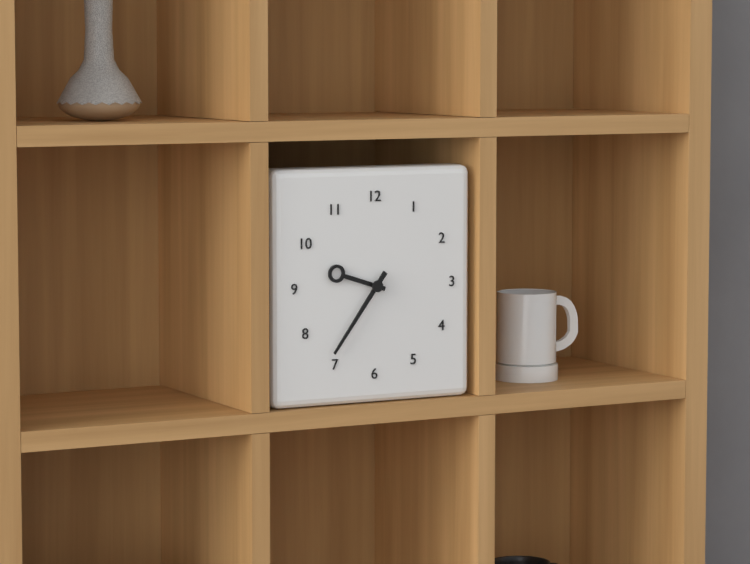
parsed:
9:36
